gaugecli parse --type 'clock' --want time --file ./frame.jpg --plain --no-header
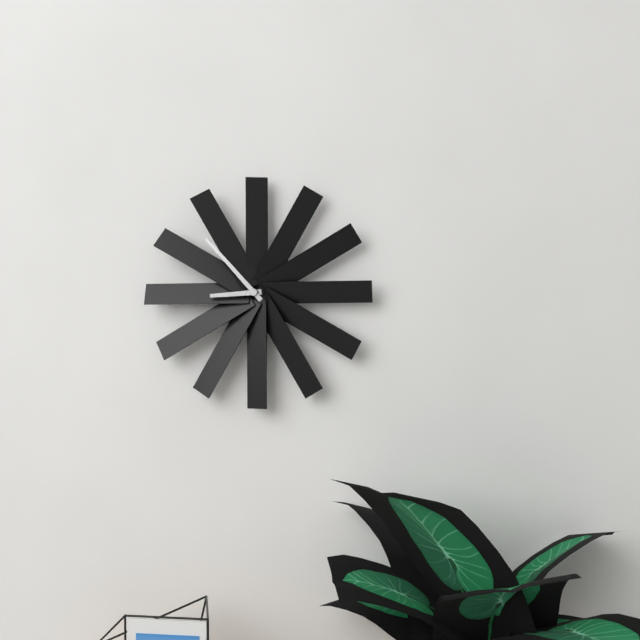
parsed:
8:53
